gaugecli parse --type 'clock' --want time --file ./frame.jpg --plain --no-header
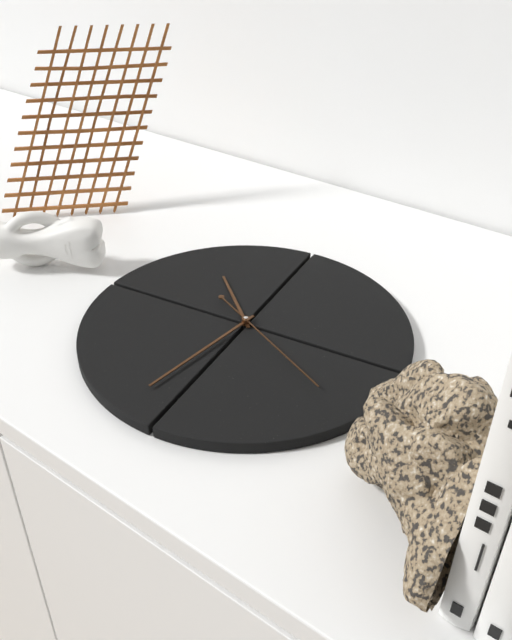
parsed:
10:32:20
